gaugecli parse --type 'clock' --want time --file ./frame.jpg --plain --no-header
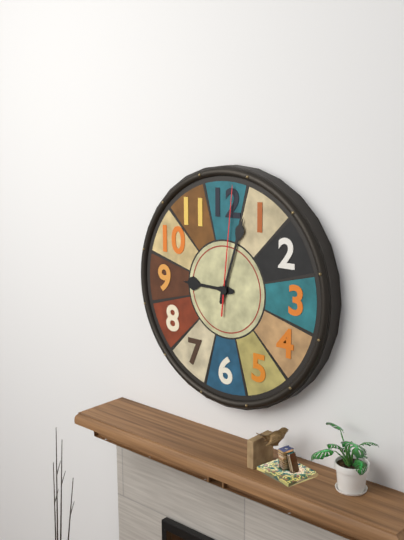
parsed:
9:03:01
